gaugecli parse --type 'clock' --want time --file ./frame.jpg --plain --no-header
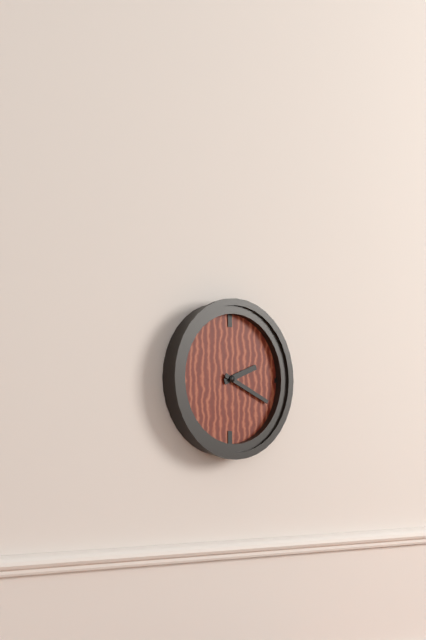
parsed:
2:19
